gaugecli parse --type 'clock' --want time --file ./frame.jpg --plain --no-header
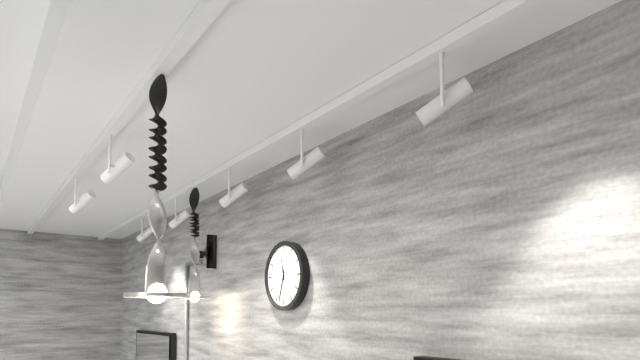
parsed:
11:33
